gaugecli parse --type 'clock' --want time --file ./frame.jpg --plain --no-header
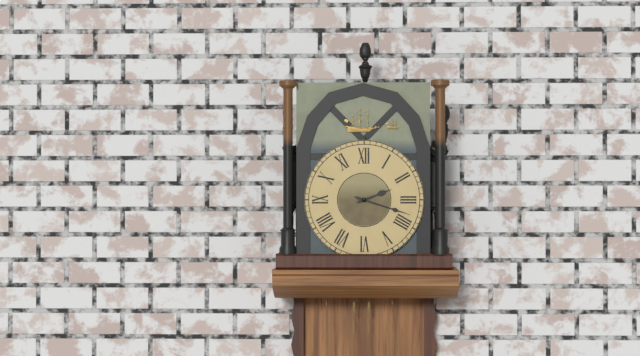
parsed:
2:18
